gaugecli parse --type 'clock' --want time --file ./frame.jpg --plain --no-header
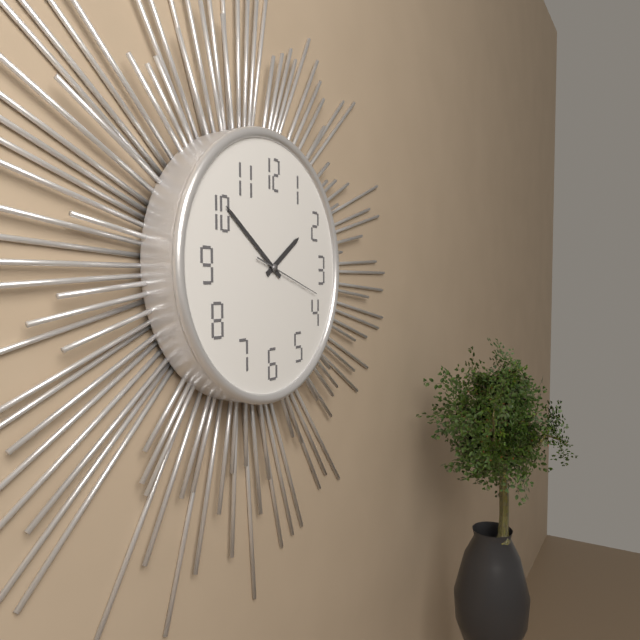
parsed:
1:51:18
